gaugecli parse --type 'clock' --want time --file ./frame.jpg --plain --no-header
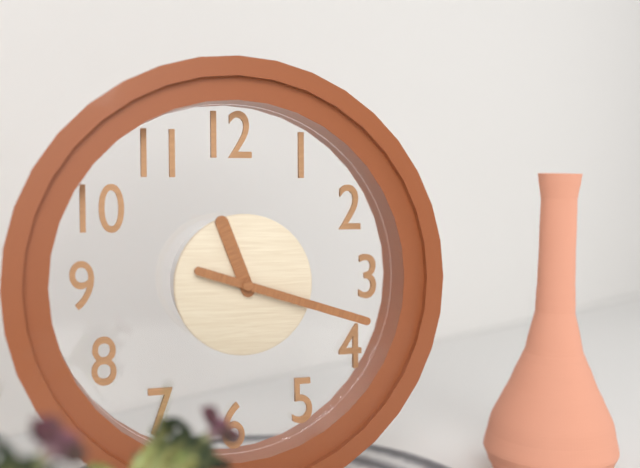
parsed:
11:18
